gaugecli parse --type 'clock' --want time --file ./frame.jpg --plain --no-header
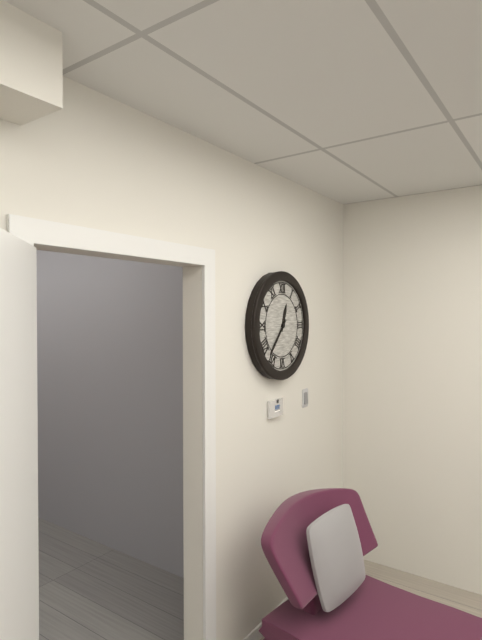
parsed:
12:37
